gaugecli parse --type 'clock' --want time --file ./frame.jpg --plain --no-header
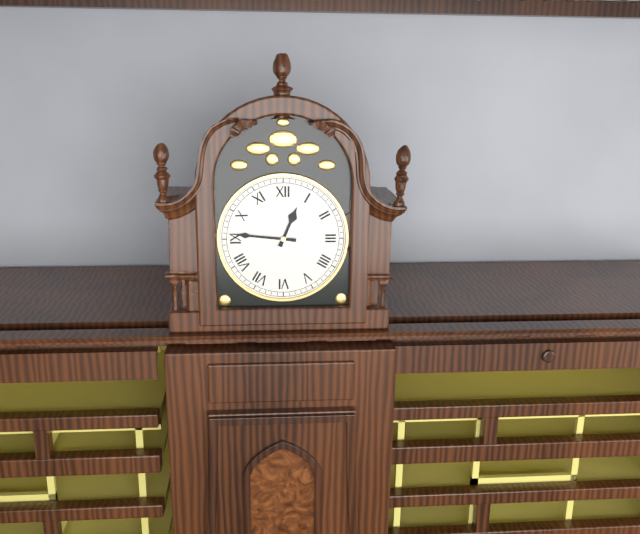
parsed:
12:46
